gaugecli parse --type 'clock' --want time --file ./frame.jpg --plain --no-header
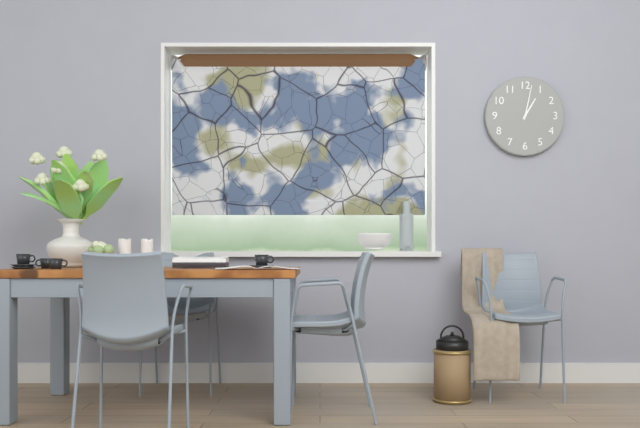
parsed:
1:02
